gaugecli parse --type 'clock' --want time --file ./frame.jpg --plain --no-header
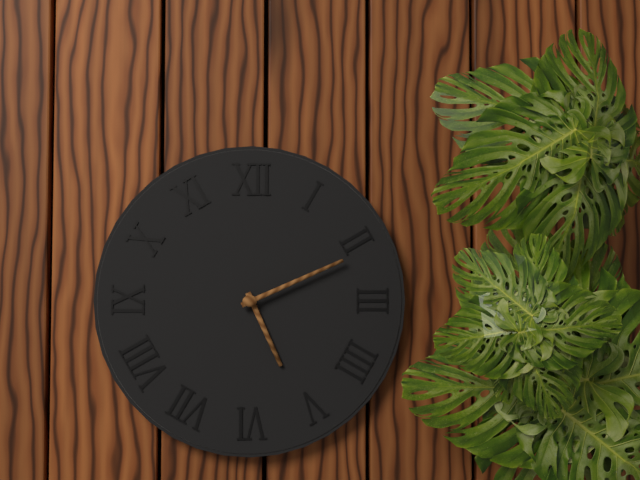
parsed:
5:11
